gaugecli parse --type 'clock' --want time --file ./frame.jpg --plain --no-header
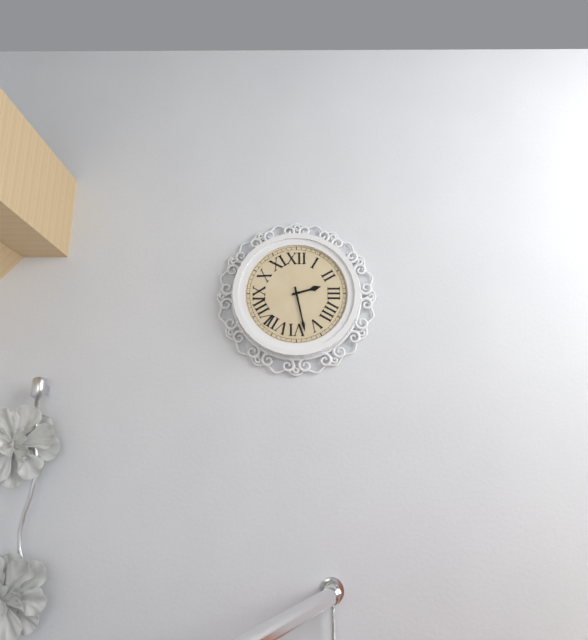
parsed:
2:28
